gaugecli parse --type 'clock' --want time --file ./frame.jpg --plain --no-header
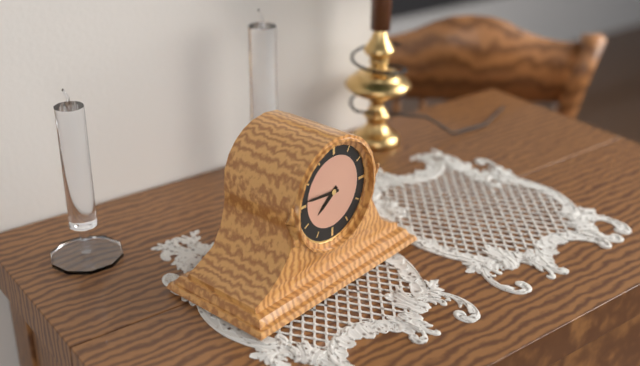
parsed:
7:46
